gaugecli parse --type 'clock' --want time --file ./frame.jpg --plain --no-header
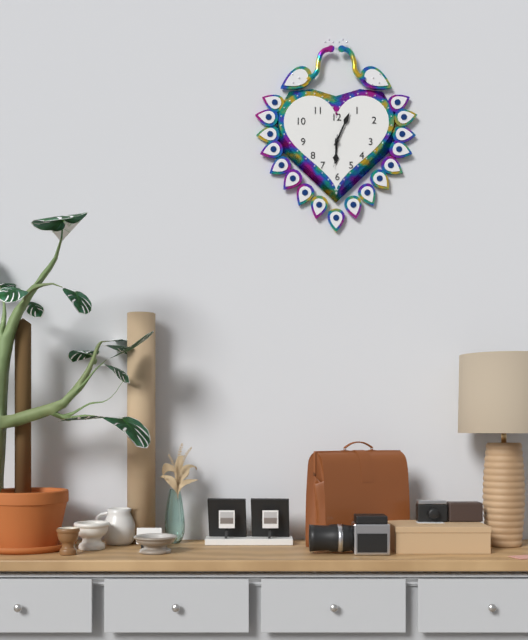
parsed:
6:04
